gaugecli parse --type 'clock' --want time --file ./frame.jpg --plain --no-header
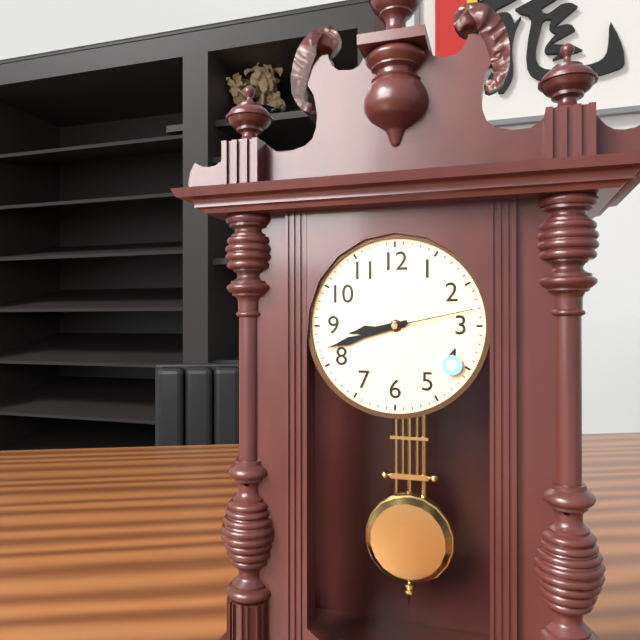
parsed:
8:42:13
